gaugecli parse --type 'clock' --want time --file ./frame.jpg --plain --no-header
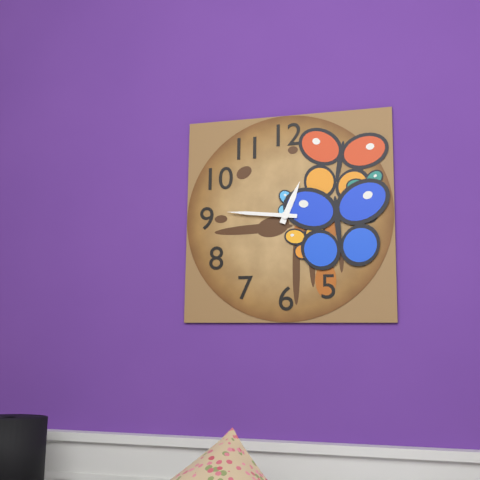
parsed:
12:46
